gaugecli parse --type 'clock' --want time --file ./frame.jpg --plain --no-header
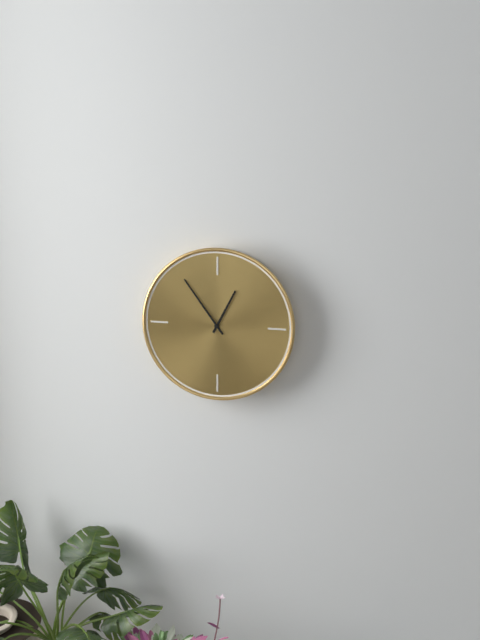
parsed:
12:54
